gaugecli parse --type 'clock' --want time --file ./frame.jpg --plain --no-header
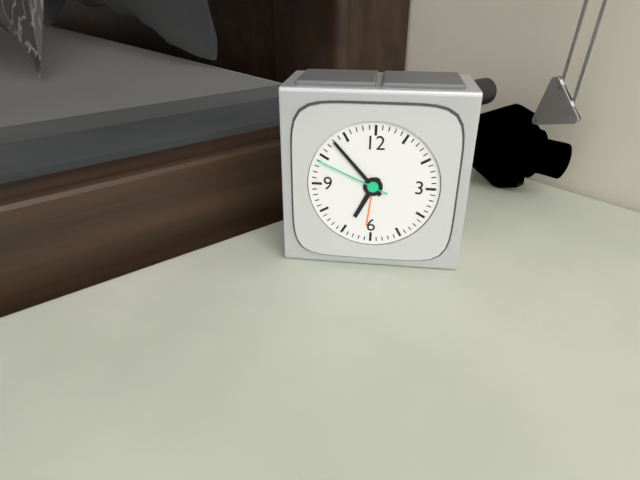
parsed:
6:53:49
